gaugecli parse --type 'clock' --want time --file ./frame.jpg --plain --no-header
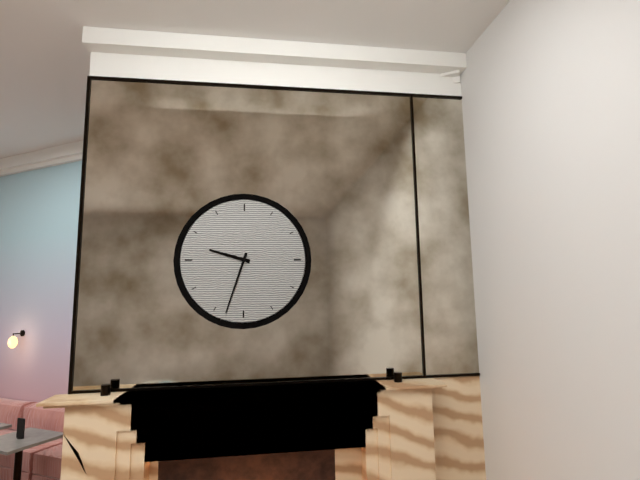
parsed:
9:33
